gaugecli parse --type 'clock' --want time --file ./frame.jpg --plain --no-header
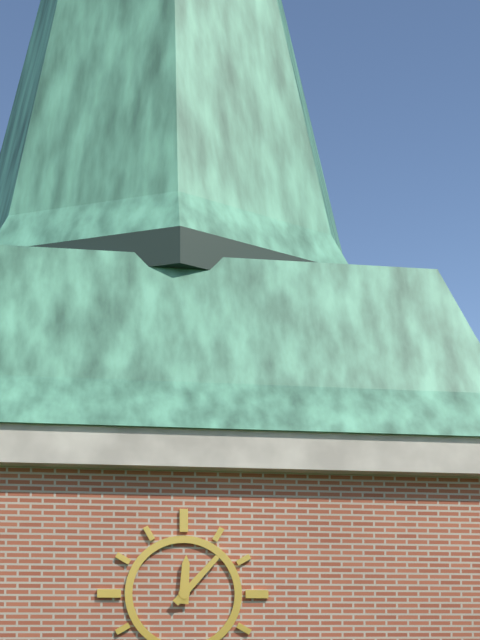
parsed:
12:07
